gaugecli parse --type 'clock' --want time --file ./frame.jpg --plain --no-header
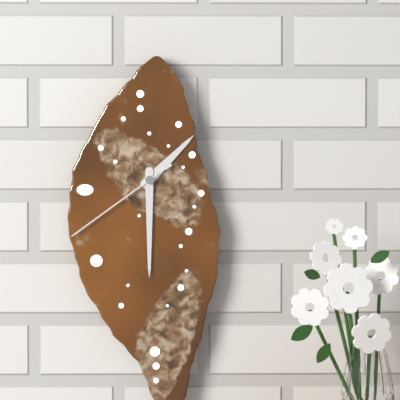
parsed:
1:30:39
